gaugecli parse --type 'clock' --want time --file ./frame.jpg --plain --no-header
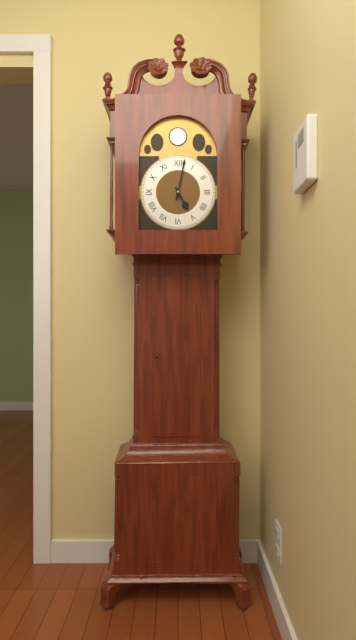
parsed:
5:02
